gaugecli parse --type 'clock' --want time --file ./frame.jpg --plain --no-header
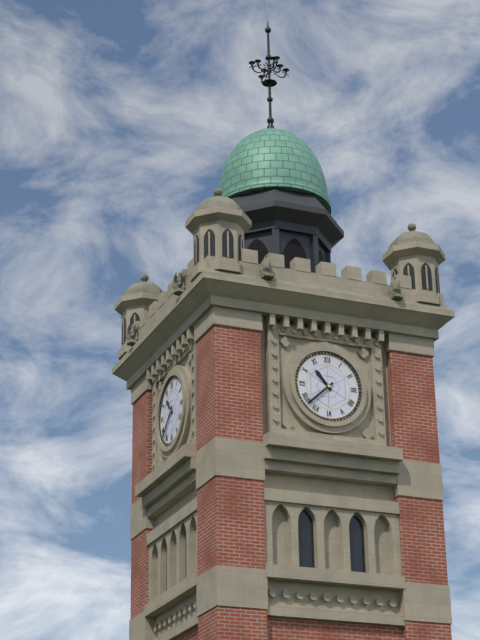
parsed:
10:38
